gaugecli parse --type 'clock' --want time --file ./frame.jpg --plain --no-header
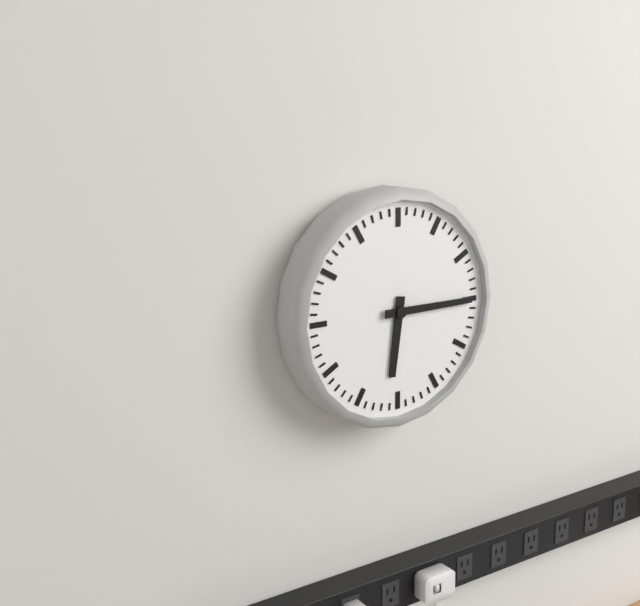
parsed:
6:15
